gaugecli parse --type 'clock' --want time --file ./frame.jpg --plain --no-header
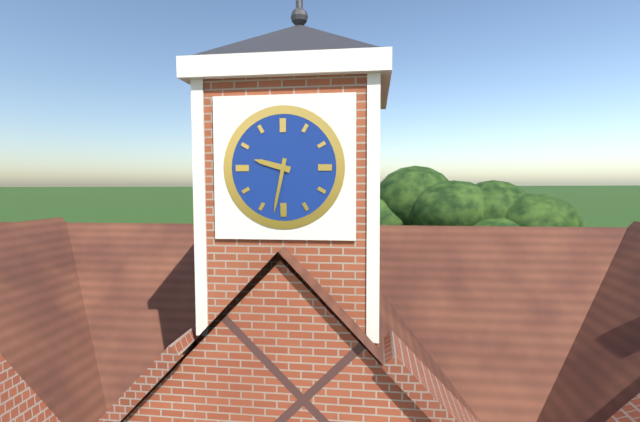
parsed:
9:32
